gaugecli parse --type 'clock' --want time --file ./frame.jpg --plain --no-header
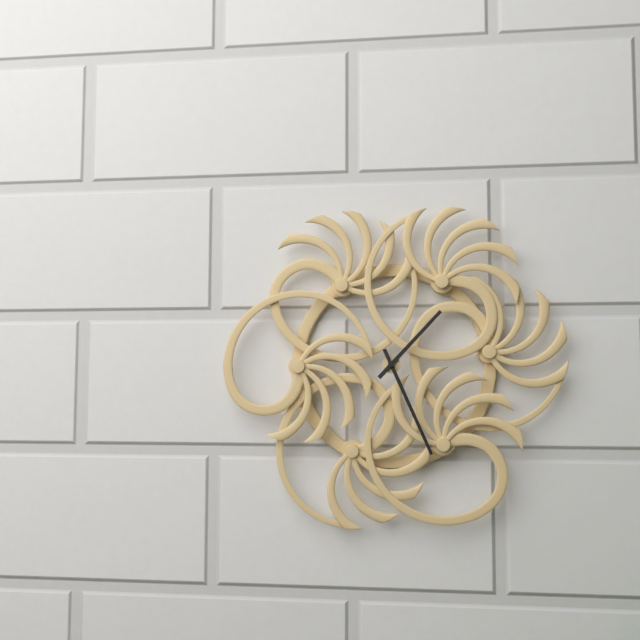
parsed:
1:26
